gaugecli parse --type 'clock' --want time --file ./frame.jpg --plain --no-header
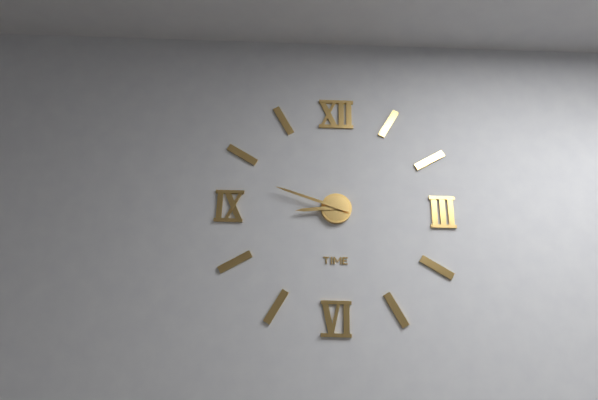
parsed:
8:48
